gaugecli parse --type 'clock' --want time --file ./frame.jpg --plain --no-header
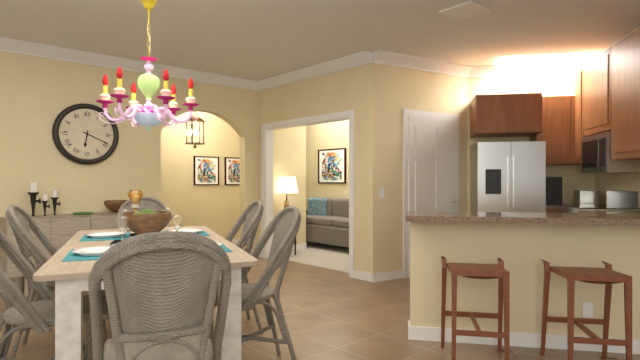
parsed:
6:19
